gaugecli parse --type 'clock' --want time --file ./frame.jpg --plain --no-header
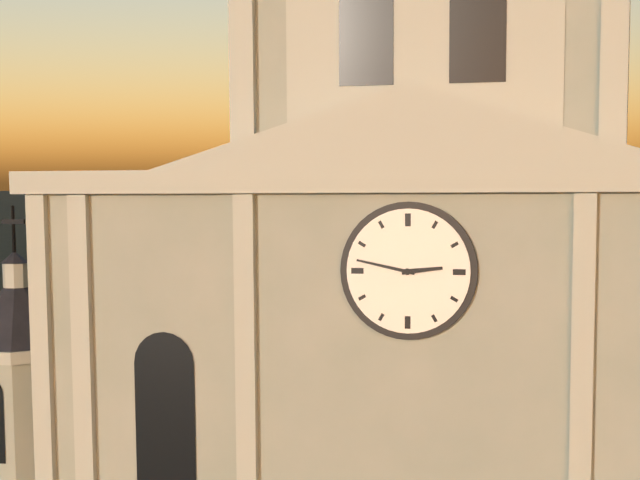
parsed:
2:47
